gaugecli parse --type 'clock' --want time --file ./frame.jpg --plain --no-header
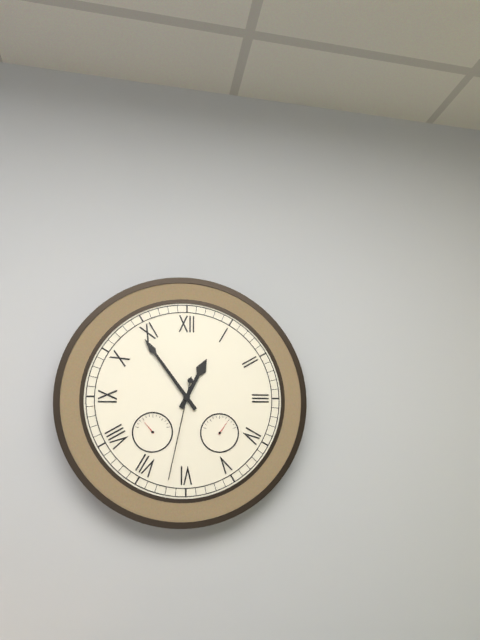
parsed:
12:54:32
